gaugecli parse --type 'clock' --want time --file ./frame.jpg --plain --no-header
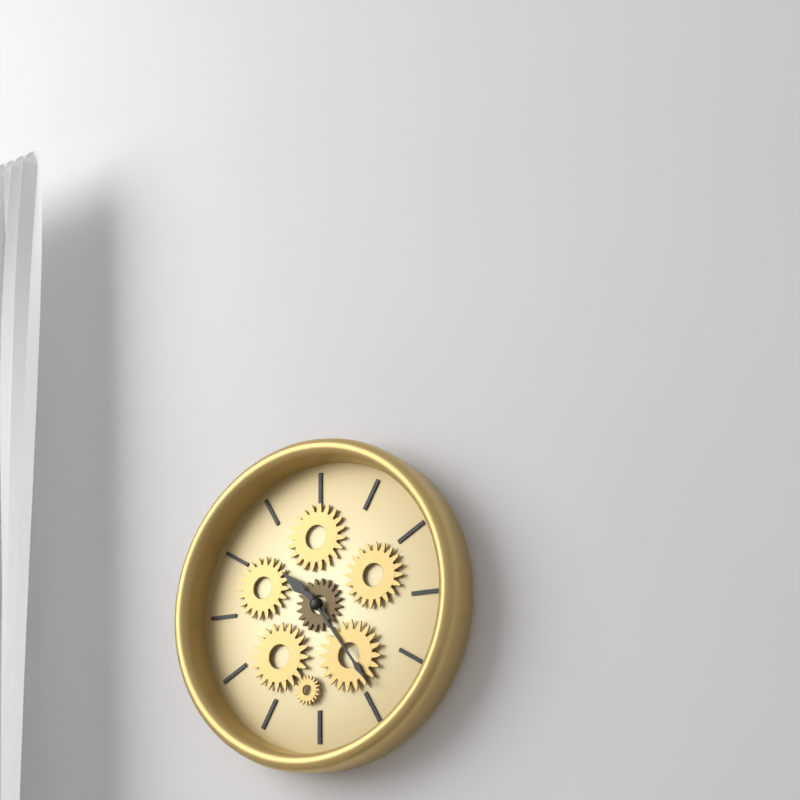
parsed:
10:24
